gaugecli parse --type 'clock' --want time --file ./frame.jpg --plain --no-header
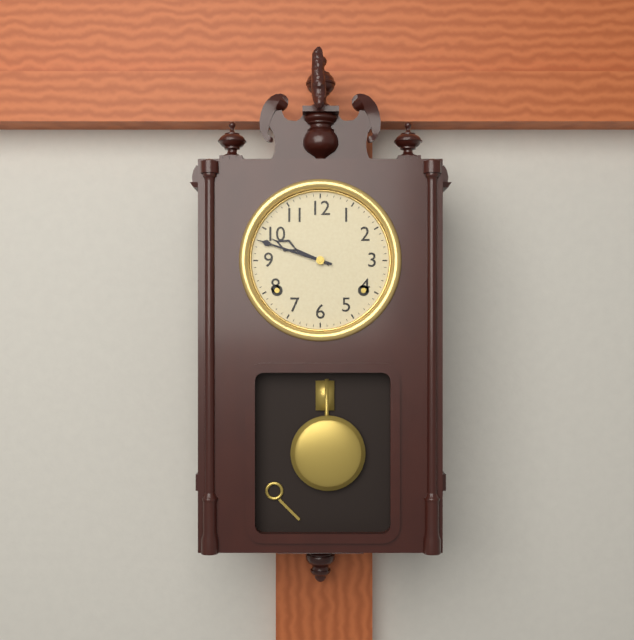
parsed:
9:48
